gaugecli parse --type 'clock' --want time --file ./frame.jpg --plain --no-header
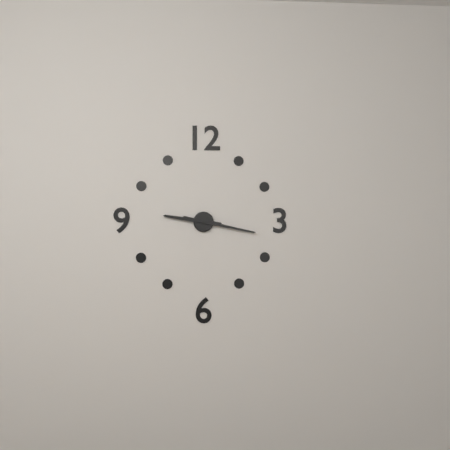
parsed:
9:17
